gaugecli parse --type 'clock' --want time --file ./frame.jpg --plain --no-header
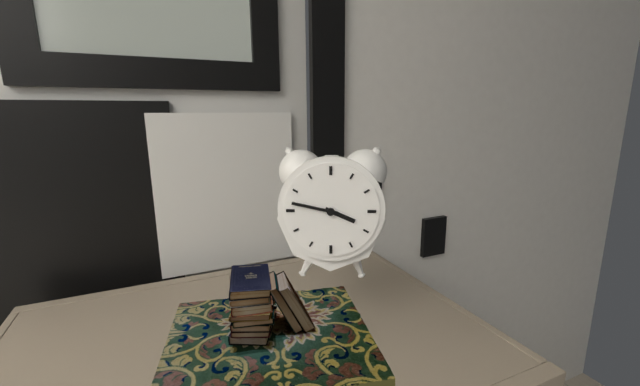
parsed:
3:47
